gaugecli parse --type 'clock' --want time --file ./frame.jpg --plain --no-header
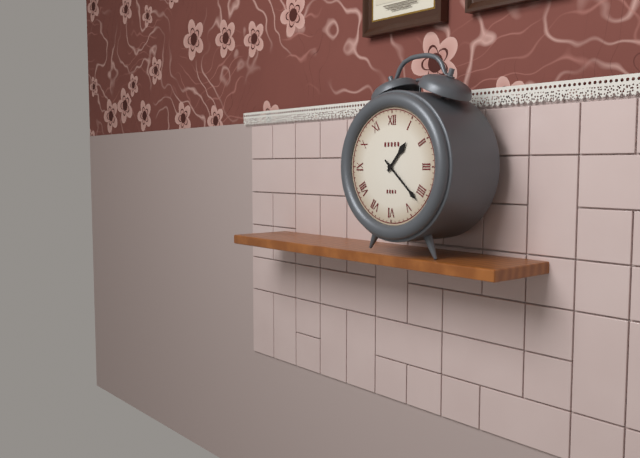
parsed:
1:22
